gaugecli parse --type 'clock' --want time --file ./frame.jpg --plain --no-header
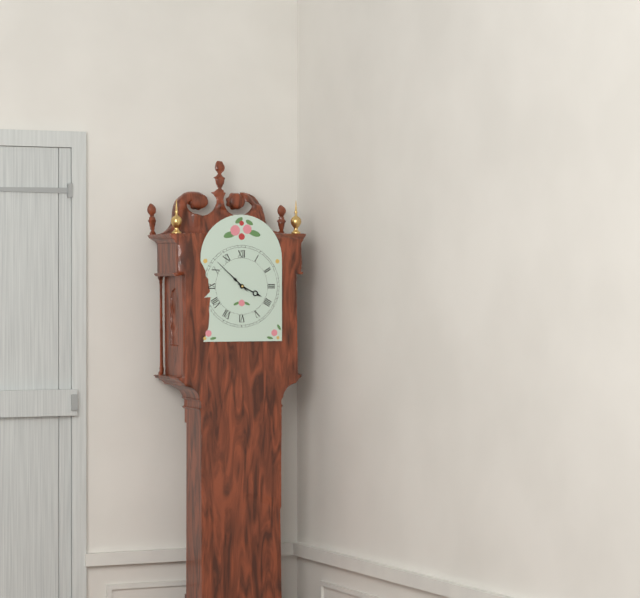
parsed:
3:52
